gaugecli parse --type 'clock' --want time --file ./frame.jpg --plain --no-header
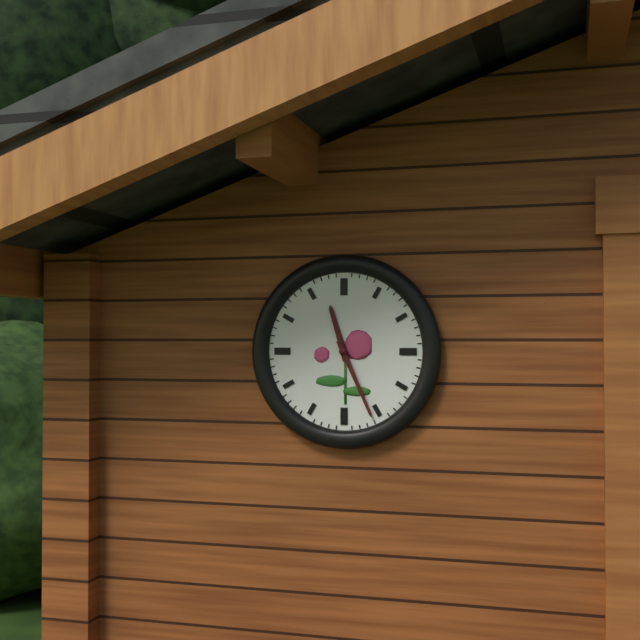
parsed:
11:26
